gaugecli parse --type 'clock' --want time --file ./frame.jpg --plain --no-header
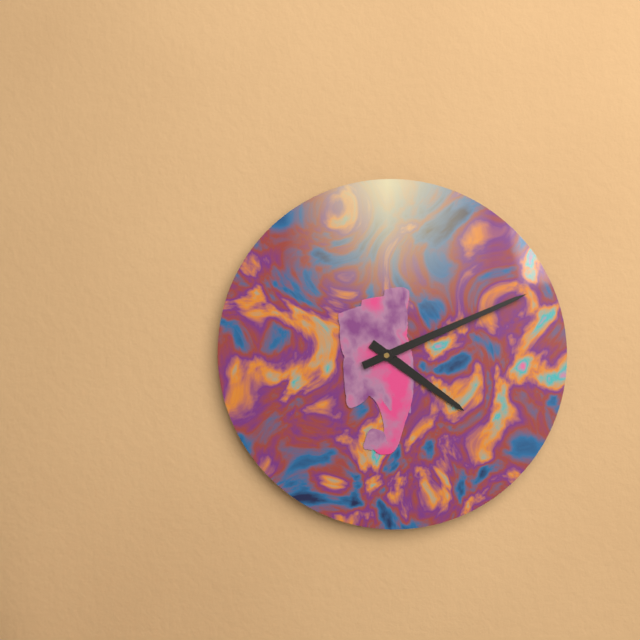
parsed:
4:11
